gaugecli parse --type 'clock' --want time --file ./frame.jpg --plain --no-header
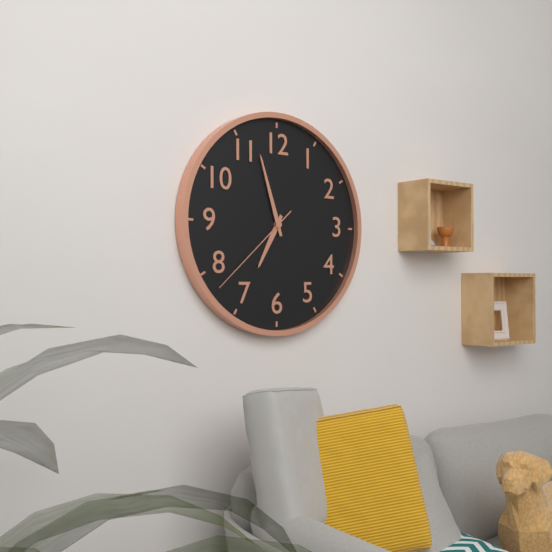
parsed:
6:57:38
